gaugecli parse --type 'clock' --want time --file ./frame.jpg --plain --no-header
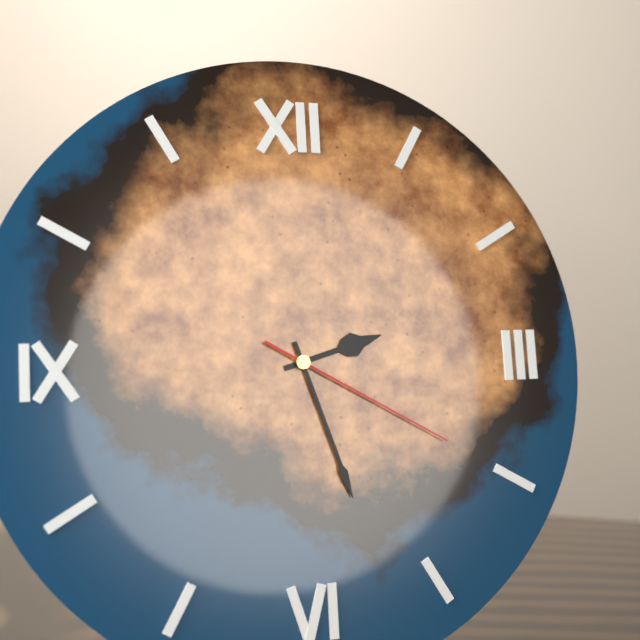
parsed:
2:27:20
